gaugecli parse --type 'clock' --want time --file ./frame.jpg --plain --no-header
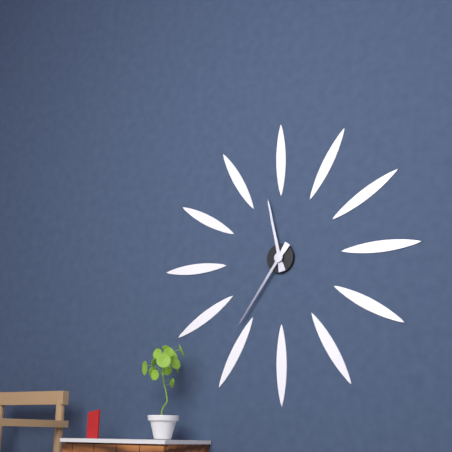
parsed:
11:36
